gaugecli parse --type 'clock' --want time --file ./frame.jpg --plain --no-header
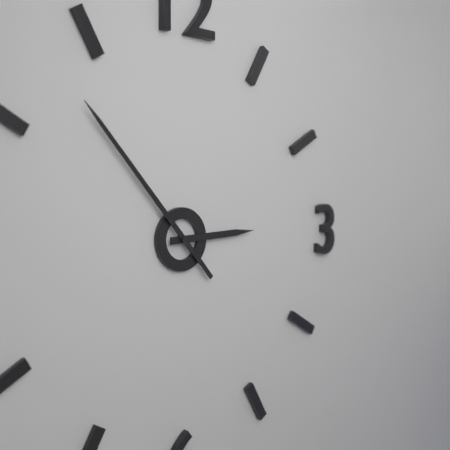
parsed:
2:53
